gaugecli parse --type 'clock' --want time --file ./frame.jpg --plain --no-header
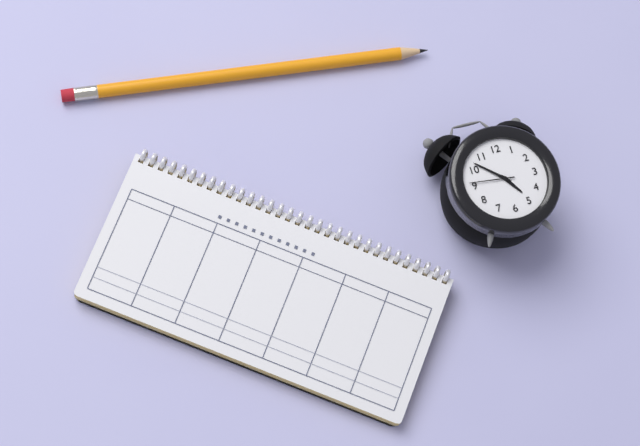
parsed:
4:52
